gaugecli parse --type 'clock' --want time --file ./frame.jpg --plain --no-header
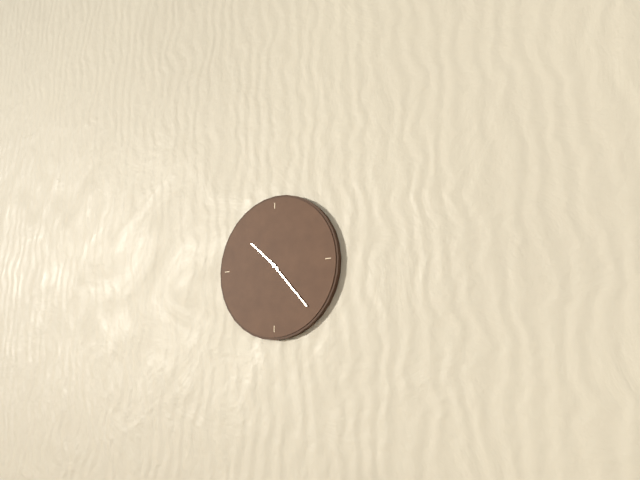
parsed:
10:23
